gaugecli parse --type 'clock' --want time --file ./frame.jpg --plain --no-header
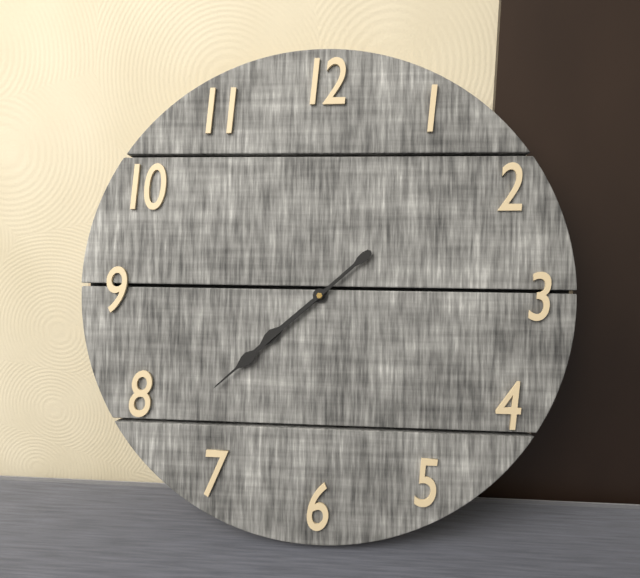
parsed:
7:38
